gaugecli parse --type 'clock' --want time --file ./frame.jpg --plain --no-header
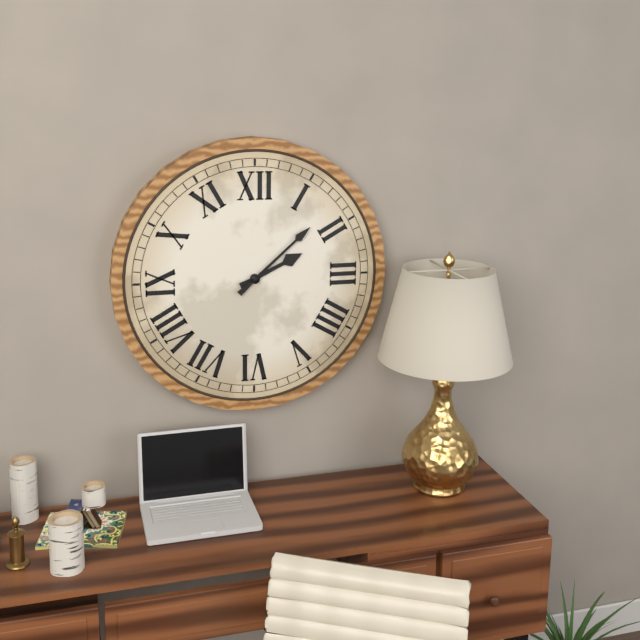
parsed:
2:08
